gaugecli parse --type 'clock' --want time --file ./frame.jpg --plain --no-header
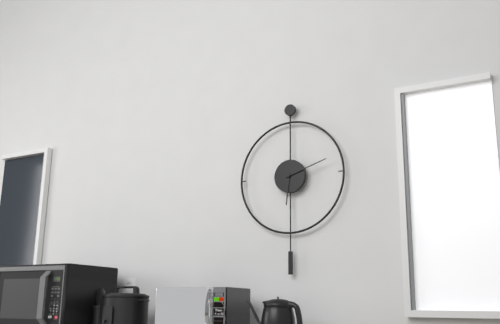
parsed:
6:12
